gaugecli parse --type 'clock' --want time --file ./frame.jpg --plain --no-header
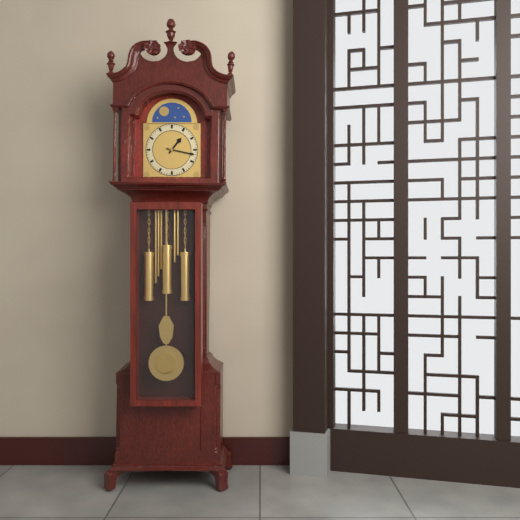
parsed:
1:17
